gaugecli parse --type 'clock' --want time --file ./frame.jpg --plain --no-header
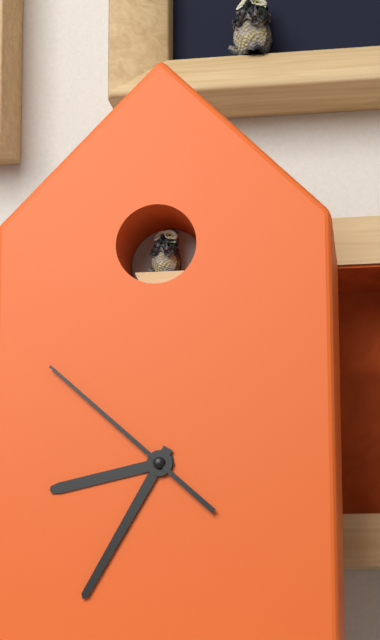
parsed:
8:35:52
